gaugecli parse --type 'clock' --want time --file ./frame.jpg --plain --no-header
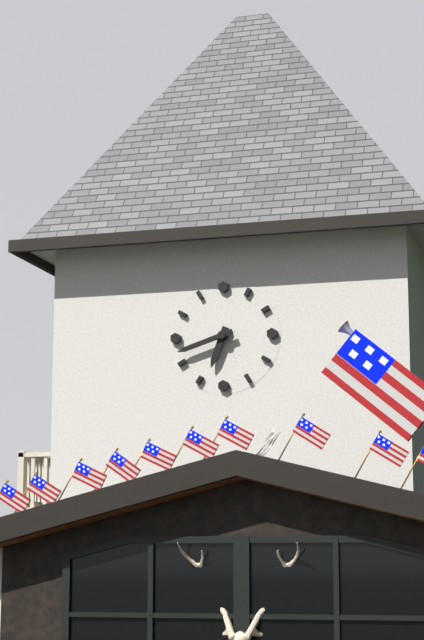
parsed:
6:42
